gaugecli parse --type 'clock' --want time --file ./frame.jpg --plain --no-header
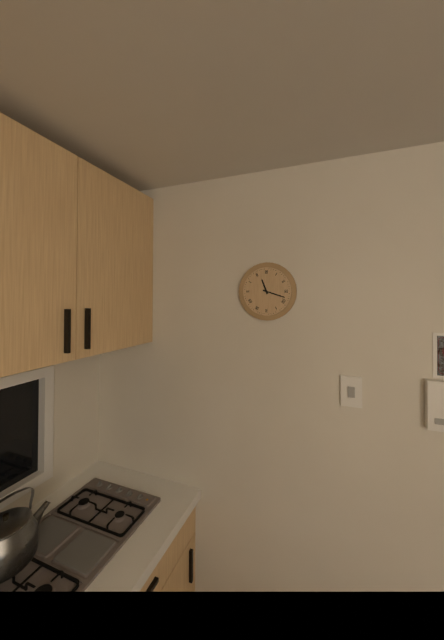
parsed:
11:18
